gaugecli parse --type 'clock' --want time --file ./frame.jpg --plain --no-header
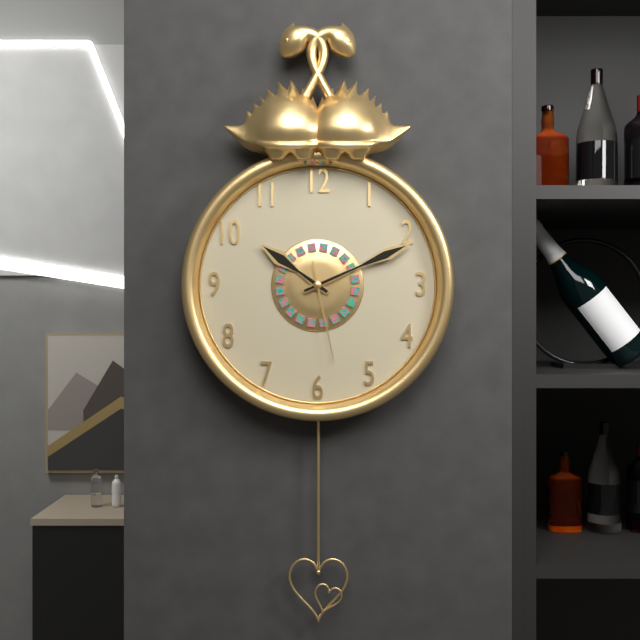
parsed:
10:11:28
